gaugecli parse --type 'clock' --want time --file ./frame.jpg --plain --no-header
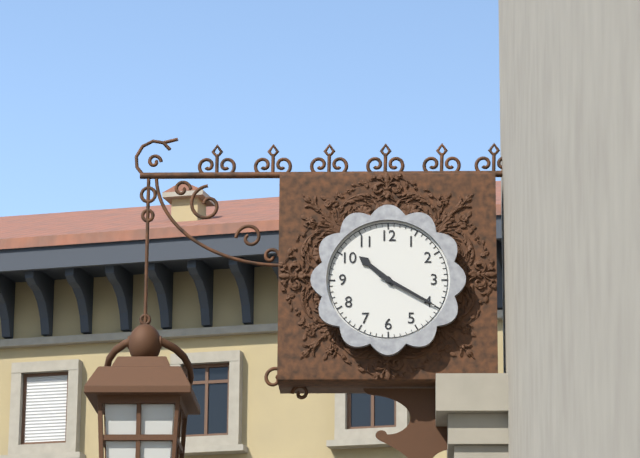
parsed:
10:20
